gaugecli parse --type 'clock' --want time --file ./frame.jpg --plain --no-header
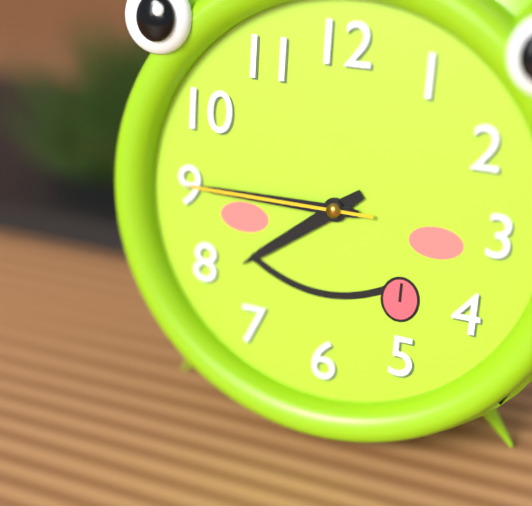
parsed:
7:45:45
